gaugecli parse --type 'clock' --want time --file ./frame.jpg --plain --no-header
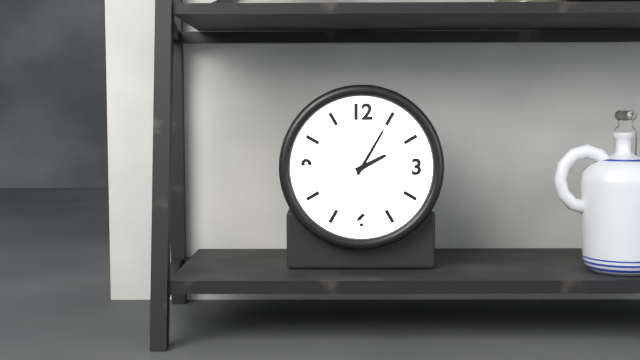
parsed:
2:05
